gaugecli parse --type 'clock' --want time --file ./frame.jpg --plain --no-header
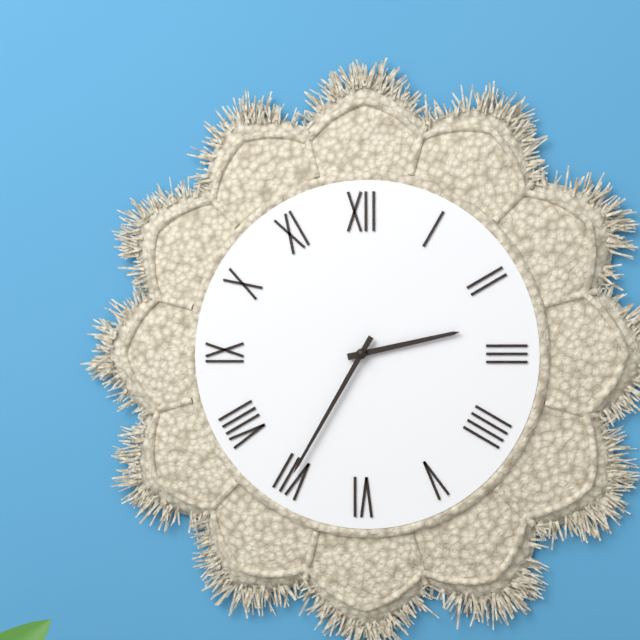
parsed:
2:35
